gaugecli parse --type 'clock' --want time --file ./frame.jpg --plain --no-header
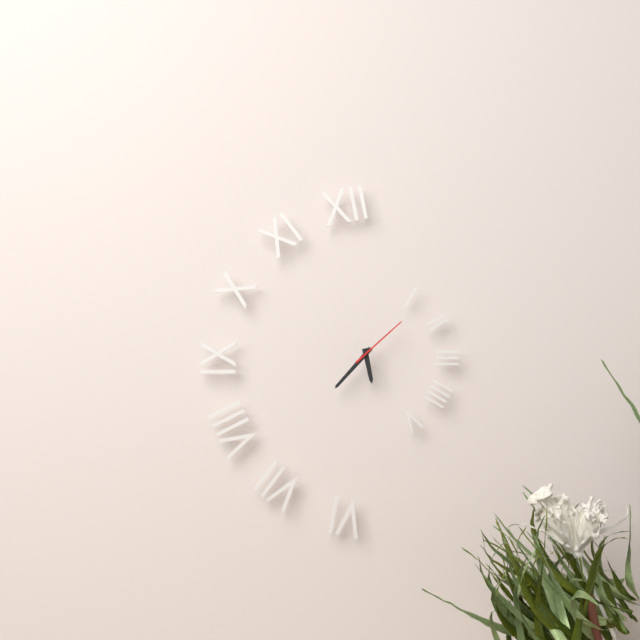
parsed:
5:37:08
